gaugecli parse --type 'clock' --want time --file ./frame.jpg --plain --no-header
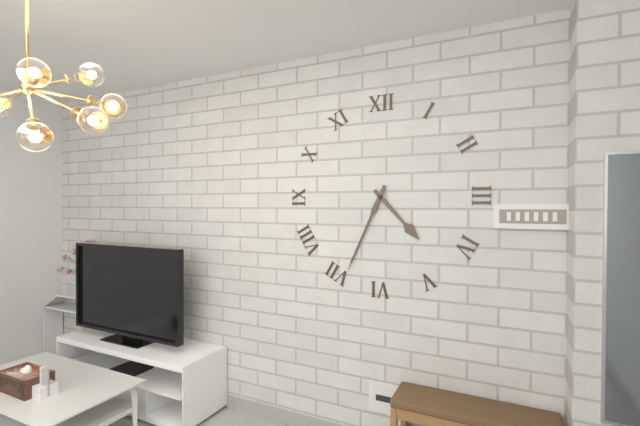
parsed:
4:34
